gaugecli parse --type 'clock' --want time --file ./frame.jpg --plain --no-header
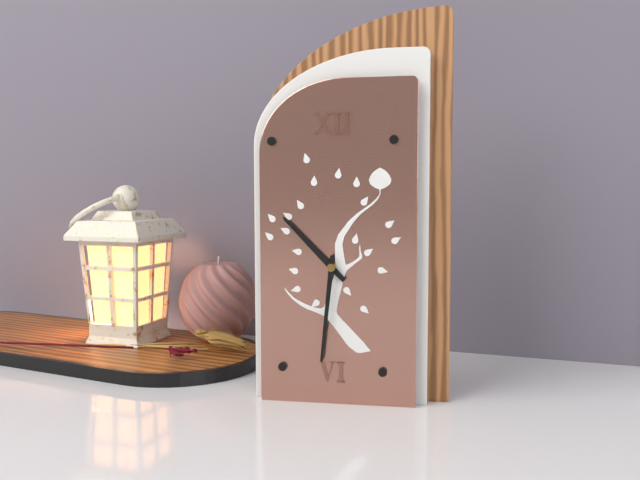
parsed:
10:31
